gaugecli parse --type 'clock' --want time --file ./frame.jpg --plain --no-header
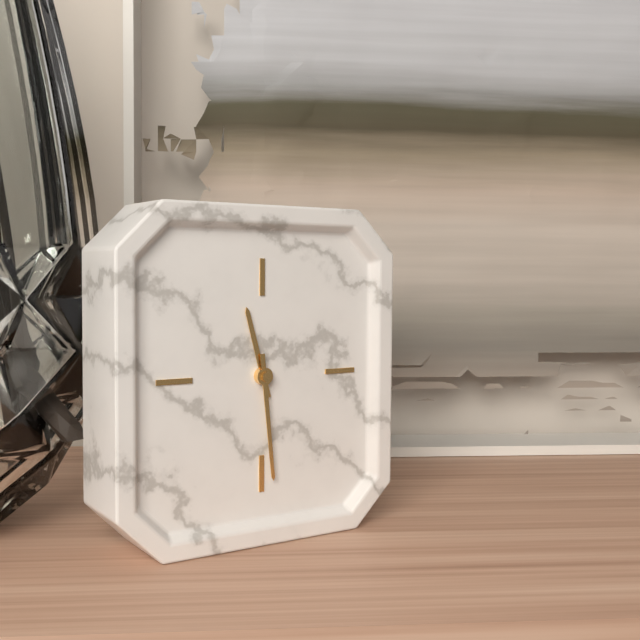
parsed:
11:29
